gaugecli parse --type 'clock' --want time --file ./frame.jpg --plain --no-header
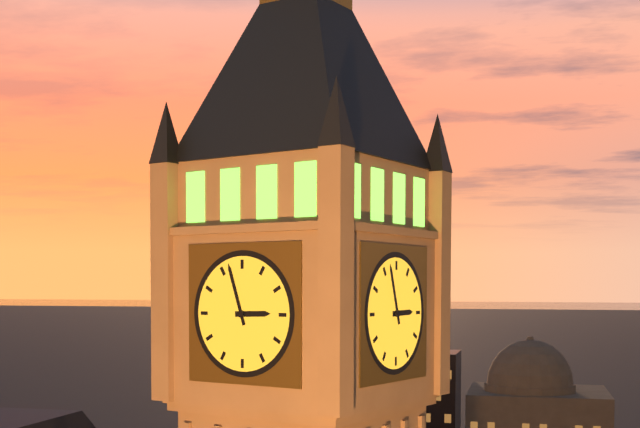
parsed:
2:57
